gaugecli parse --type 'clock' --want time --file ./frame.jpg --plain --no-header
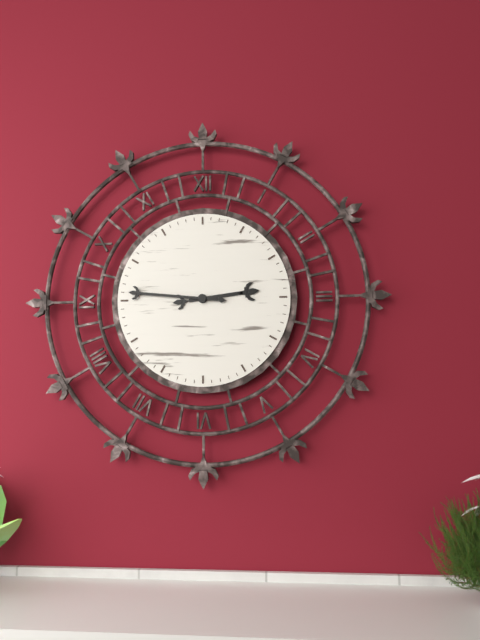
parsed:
2:46
